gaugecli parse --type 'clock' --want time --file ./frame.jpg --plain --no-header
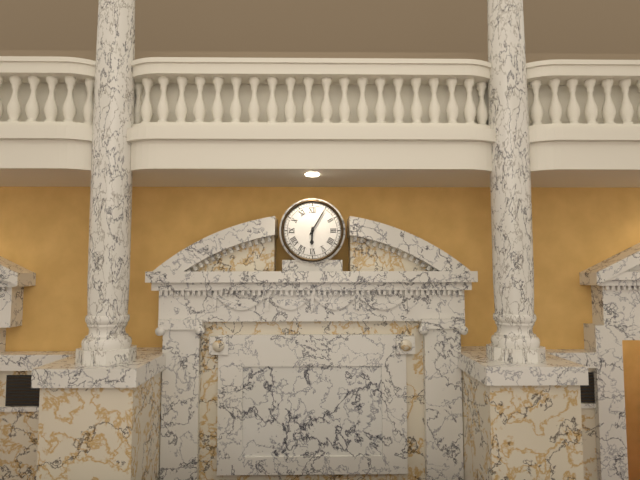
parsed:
6:05
